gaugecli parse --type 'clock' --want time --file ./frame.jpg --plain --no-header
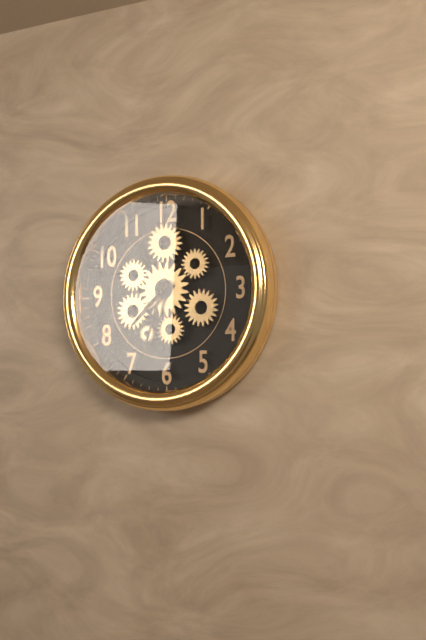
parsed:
7:33
